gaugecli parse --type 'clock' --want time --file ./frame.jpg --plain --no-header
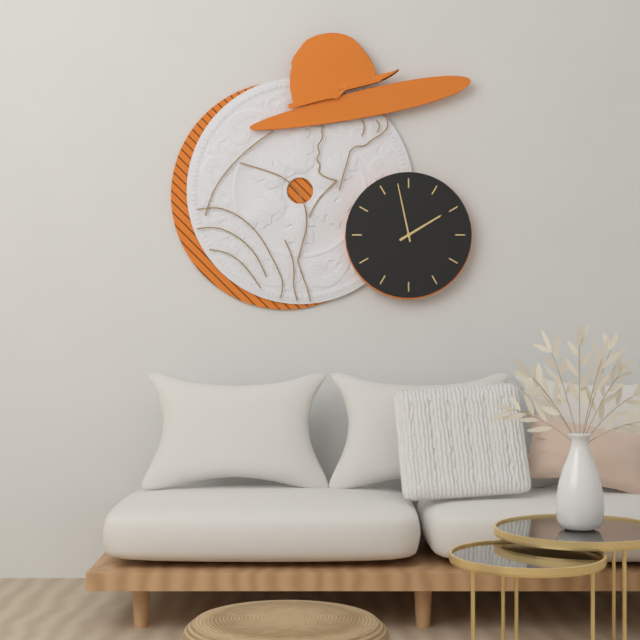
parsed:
1:58
